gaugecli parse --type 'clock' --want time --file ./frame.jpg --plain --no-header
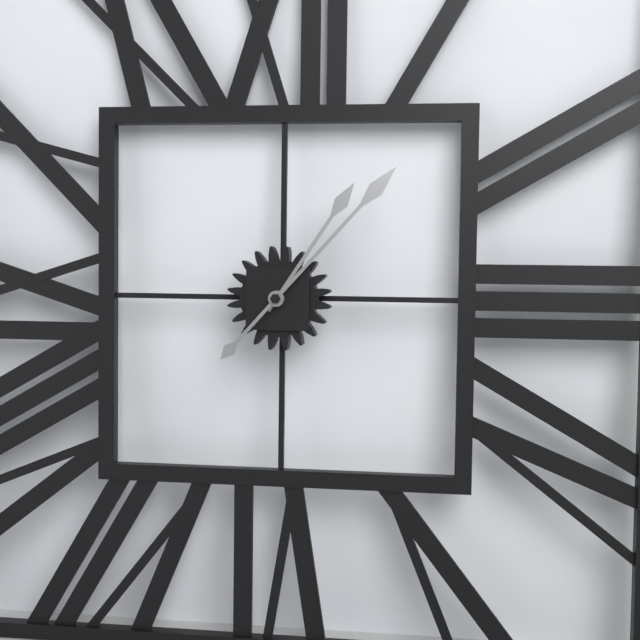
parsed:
1:07
